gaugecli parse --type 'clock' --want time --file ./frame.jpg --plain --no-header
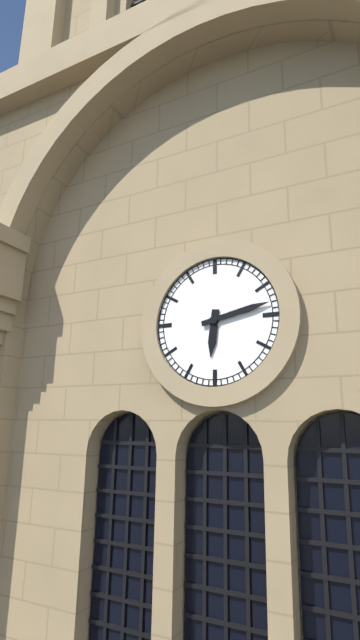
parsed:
6:13
